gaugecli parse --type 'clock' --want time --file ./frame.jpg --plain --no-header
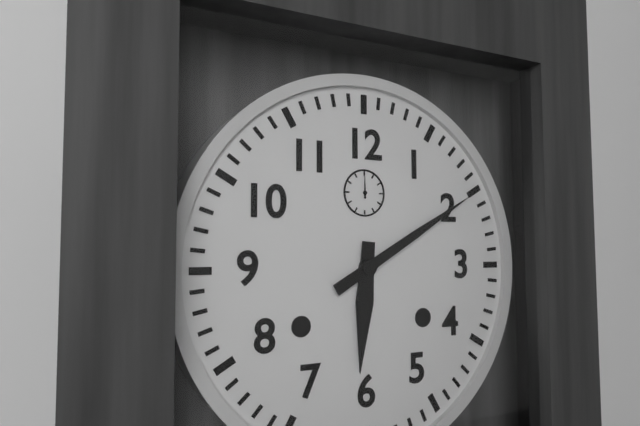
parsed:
6:10
